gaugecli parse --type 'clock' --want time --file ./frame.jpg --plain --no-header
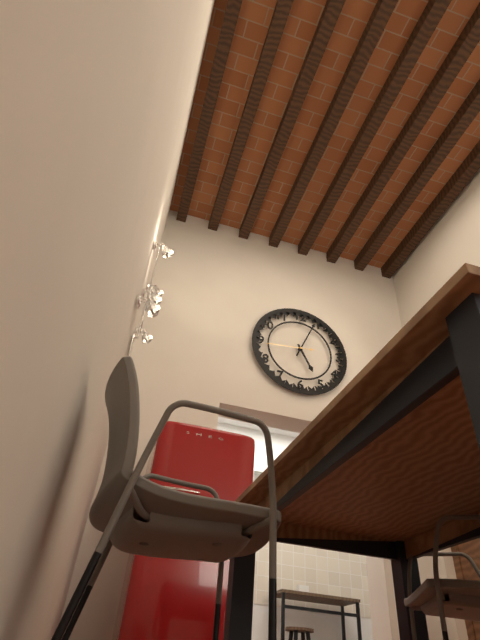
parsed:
5:04
